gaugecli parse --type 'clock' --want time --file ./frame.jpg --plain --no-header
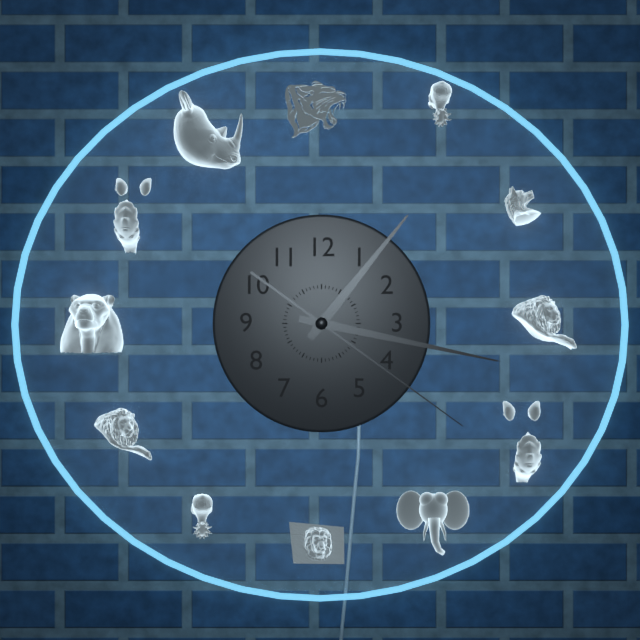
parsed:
1:17:21
